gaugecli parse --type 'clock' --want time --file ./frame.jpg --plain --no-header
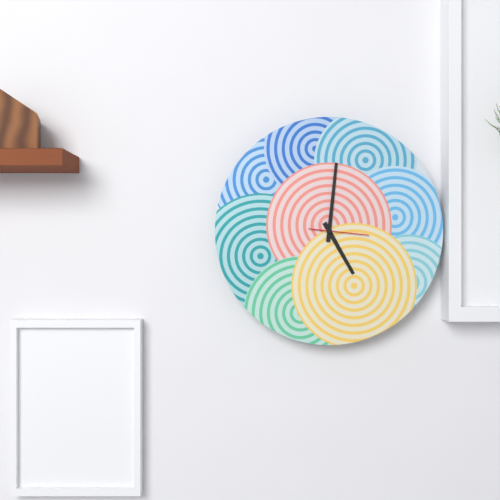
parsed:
5:01:16
